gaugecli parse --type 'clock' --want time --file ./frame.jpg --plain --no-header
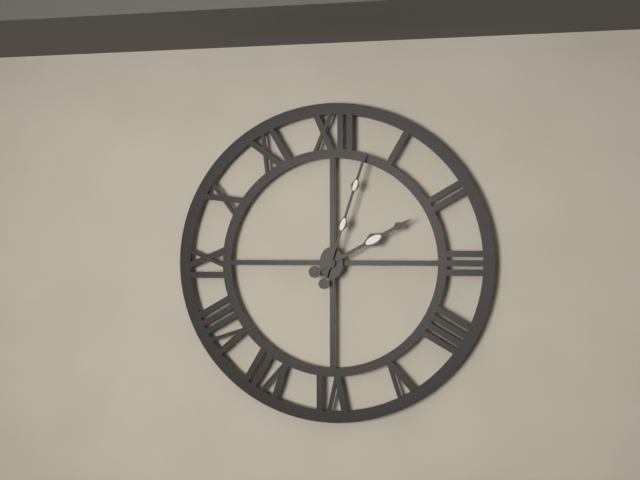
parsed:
2:03
